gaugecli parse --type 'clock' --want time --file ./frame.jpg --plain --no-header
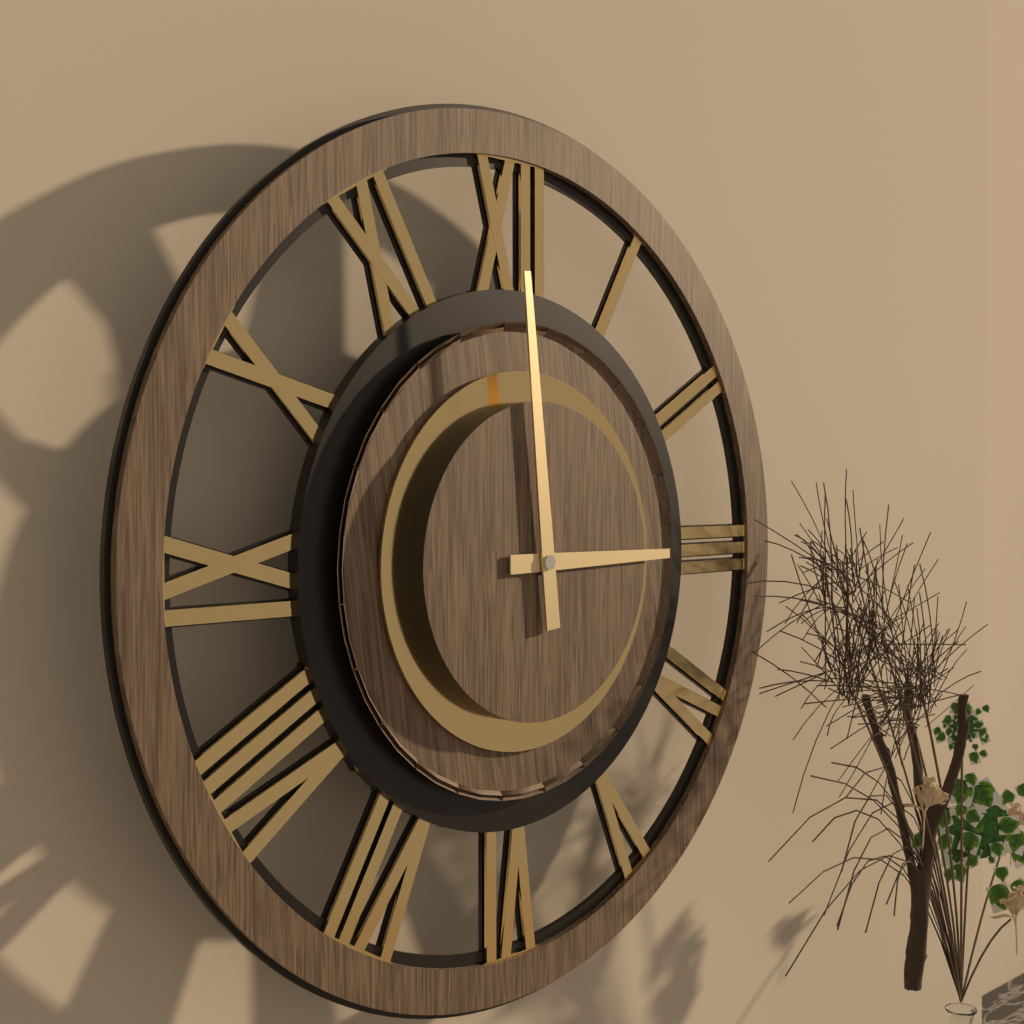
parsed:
2:59
